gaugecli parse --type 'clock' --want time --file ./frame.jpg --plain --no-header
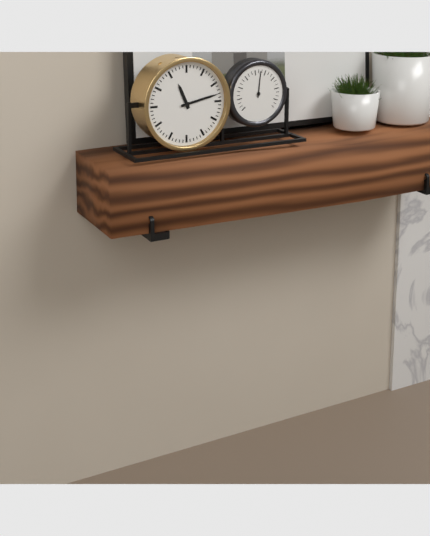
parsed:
11:13
